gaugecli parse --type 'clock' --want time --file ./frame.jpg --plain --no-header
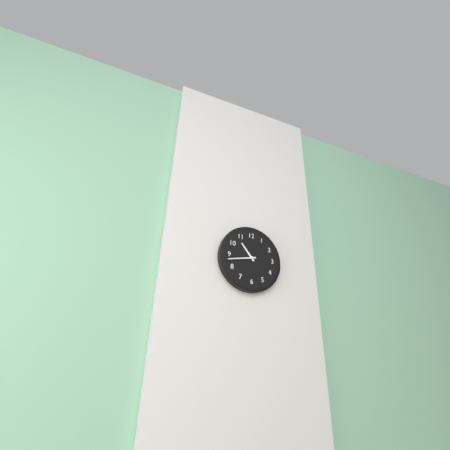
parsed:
10:43
